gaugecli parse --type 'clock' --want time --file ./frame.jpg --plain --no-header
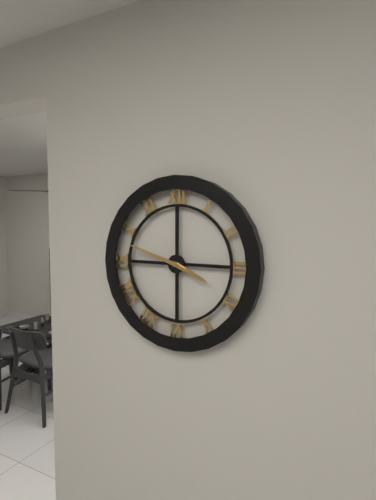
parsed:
3:48
